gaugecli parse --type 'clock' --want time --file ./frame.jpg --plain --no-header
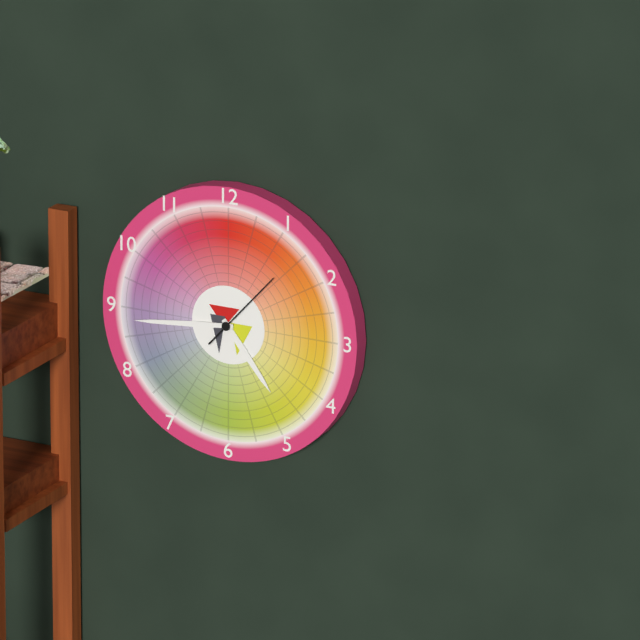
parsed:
4:44:07
